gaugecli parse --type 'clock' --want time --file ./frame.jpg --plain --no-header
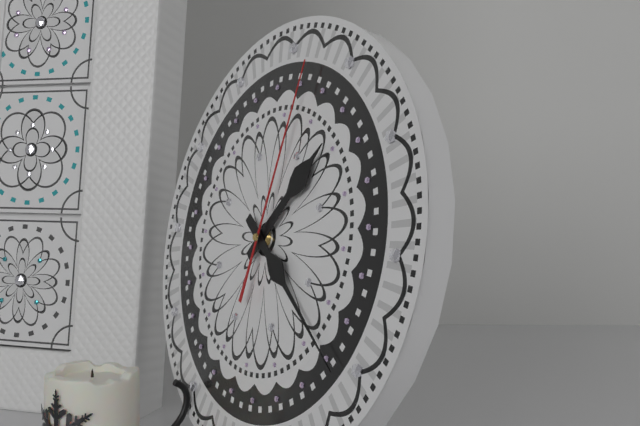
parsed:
1:21:02
